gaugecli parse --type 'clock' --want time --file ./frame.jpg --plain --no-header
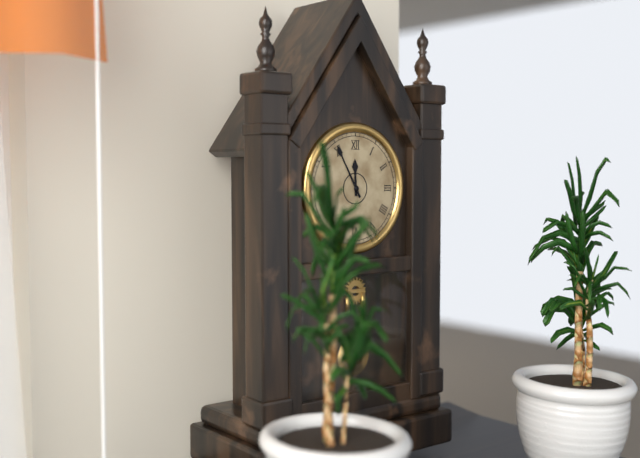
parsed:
11:55
